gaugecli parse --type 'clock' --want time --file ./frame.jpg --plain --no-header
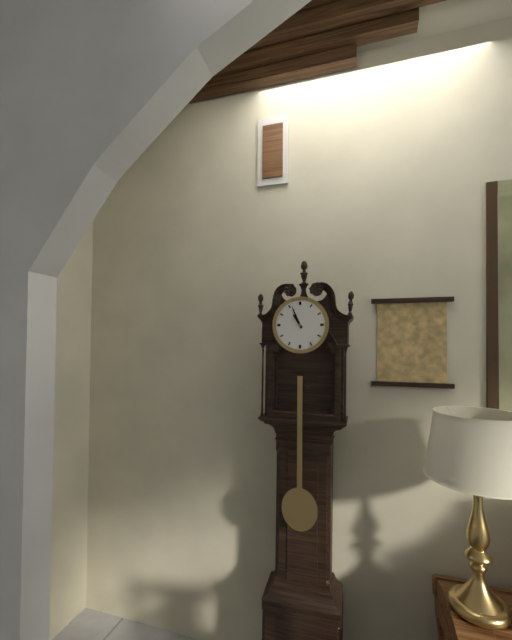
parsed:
10:56
